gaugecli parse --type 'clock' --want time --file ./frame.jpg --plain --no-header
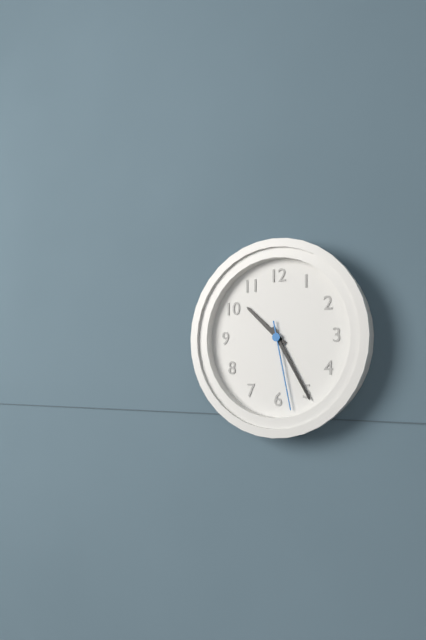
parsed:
10:25:28
